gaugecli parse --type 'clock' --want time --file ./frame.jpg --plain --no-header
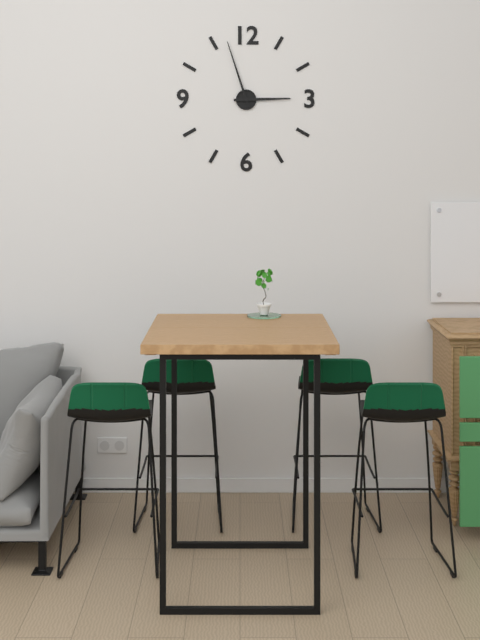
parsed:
2:57
